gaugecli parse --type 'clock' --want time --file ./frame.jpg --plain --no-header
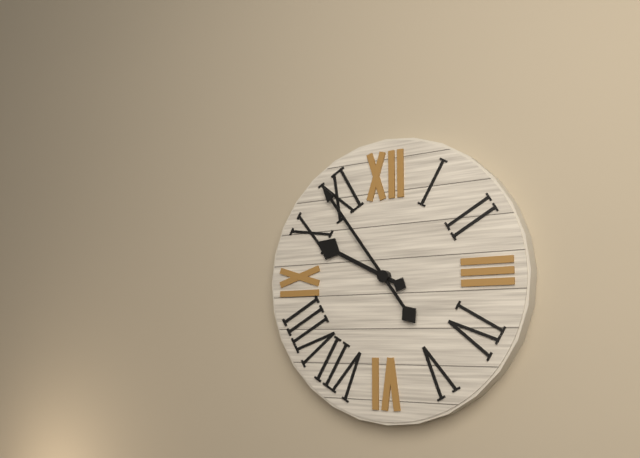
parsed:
9:54
